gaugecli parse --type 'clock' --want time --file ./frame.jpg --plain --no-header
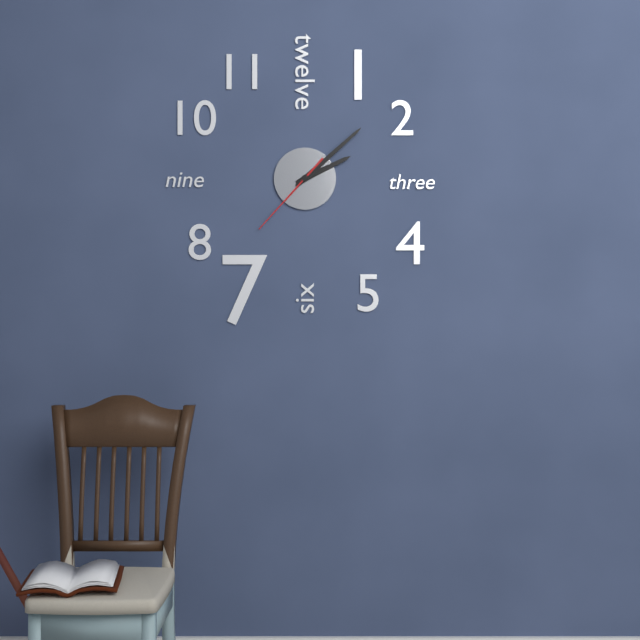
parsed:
2:08:37
